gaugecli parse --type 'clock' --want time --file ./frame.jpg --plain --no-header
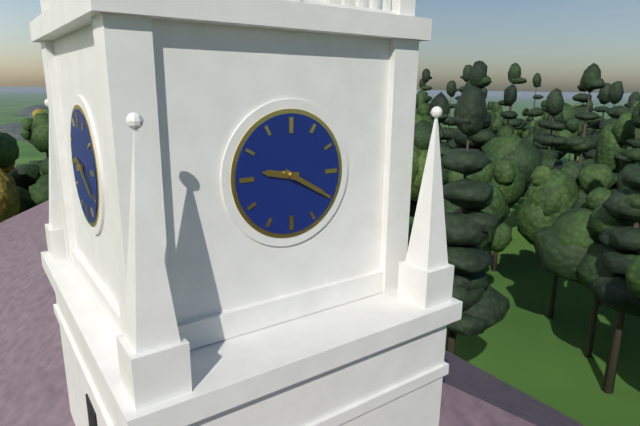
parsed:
9:20
